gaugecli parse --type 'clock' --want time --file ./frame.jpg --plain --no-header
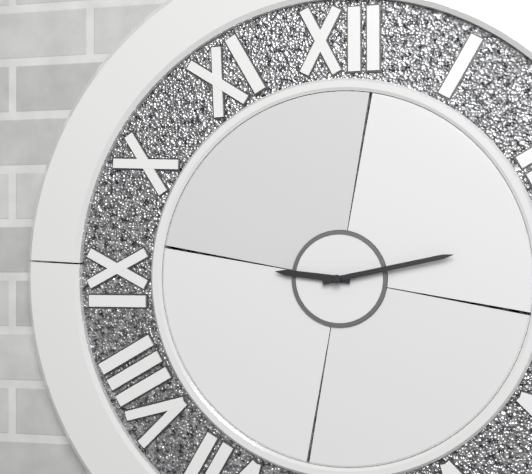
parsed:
9:13
